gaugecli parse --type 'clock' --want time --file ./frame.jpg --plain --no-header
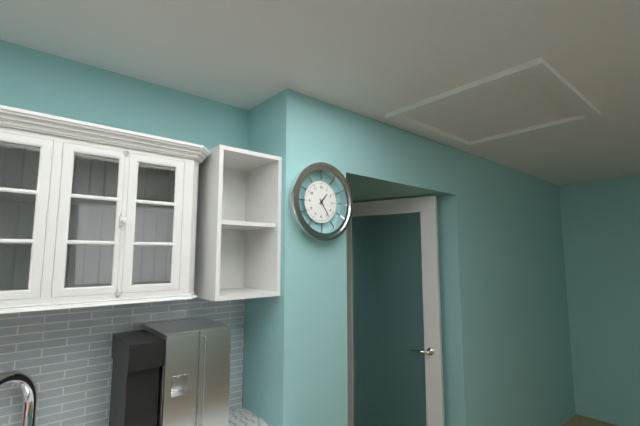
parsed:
1:24
